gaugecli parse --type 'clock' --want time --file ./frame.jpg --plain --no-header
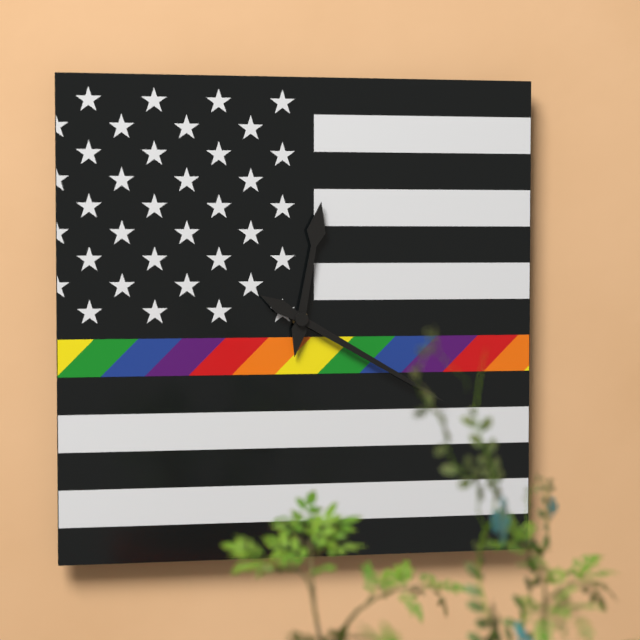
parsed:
12:20
